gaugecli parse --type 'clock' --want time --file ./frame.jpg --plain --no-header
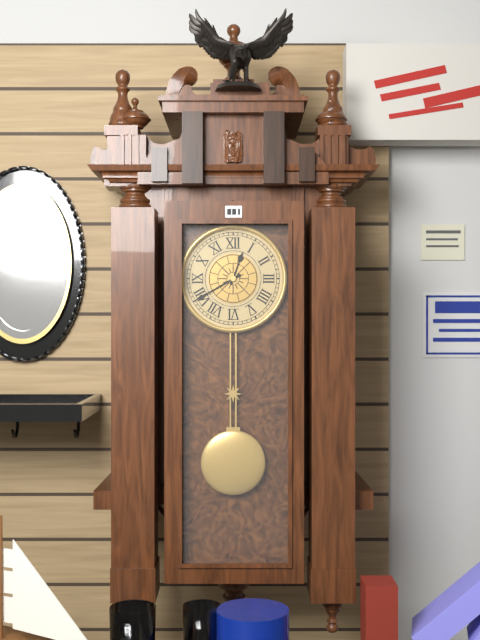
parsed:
12:40
